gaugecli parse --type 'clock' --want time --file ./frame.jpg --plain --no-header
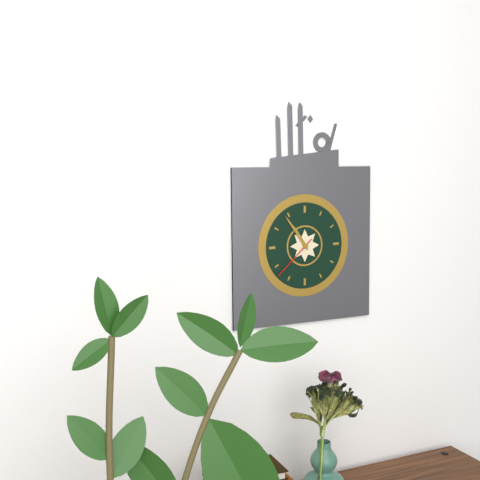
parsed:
10:54:38
